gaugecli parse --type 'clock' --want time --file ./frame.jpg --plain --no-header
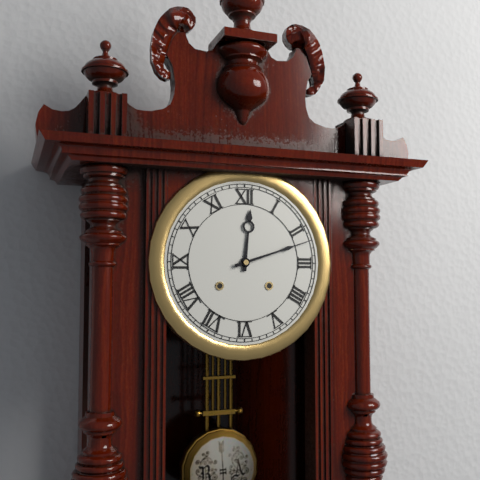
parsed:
12:12
